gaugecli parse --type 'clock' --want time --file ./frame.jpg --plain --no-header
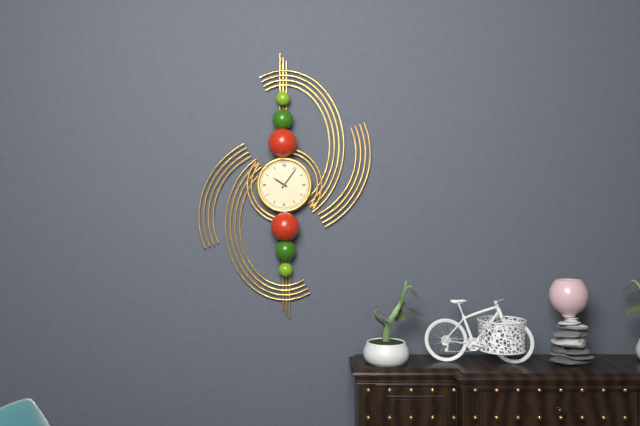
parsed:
10:06
